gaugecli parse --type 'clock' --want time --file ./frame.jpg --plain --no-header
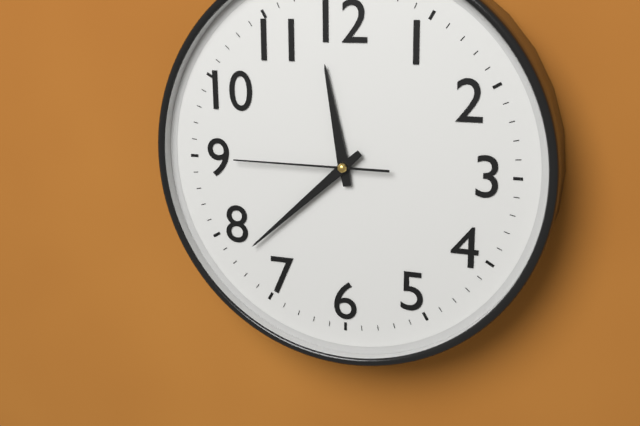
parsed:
11:38:45
